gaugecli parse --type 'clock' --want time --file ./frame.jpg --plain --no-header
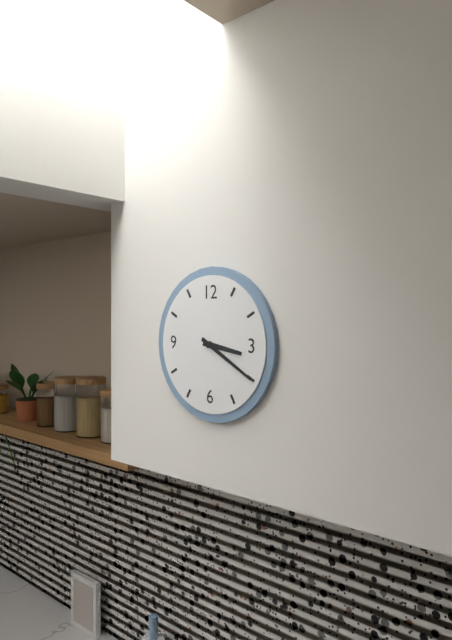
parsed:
3:20
